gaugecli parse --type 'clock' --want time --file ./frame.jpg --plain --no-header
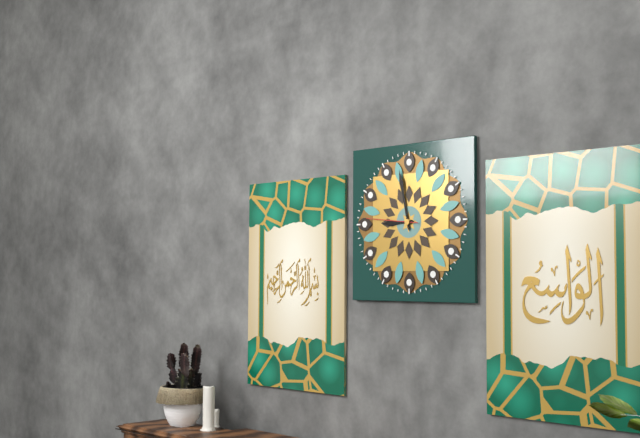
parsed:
8:58:46
